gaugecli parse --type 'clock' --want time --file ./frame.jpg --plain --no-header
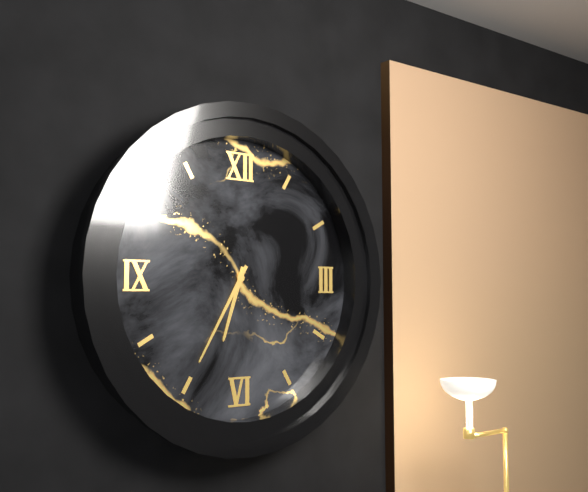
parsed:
6:35
